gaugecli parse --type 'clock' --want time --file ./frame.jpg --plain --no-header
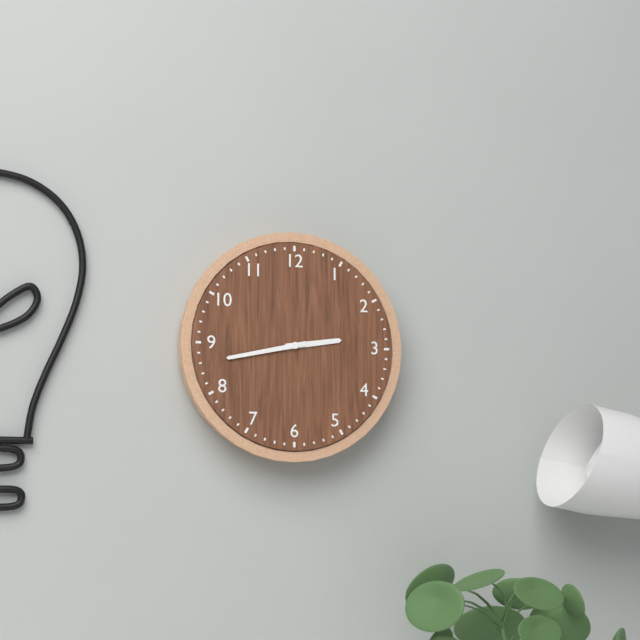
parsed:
2:43
